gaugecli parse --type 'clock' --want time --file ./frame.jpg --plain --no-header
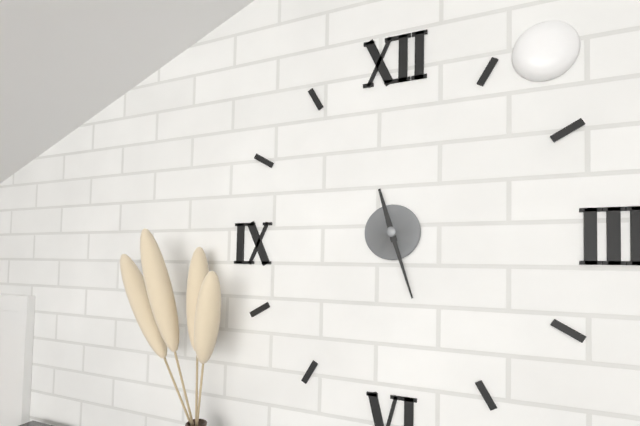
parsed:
11:27
